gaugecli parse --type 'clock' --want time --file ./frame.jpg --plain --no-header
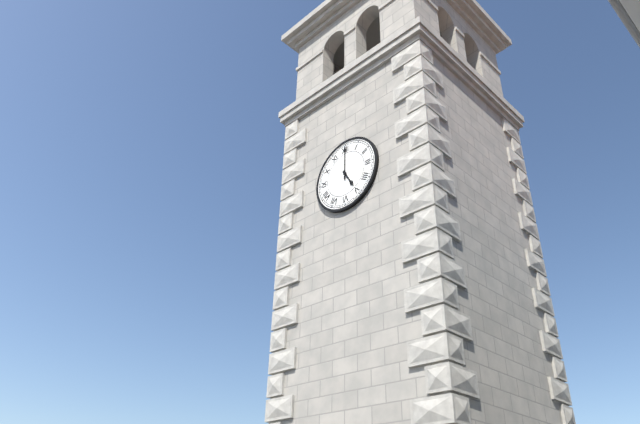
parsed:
5:00
